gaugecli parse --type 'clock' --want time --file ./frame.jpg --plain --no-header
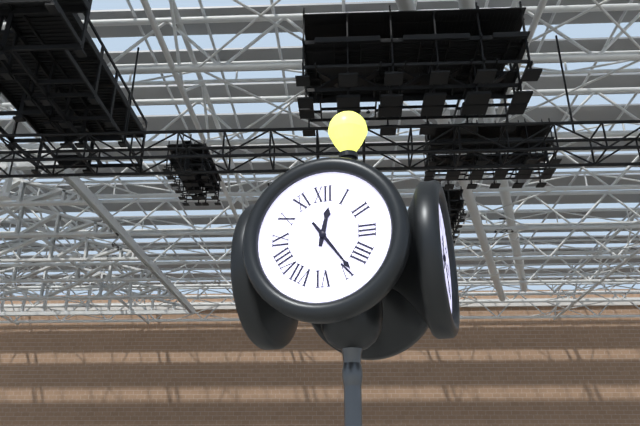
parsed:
12:24
